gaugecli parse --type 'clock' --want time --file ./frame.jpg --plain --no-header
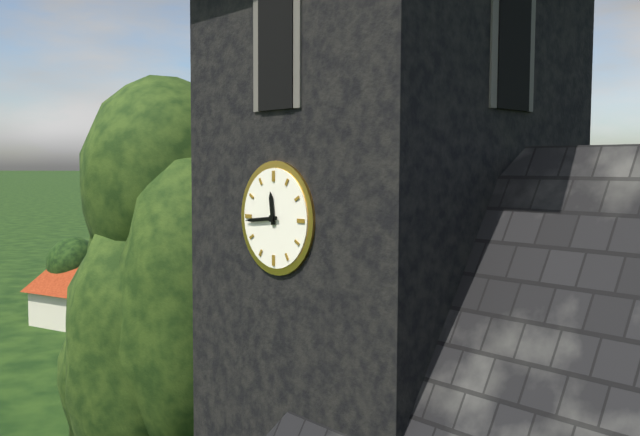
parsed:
11:44
